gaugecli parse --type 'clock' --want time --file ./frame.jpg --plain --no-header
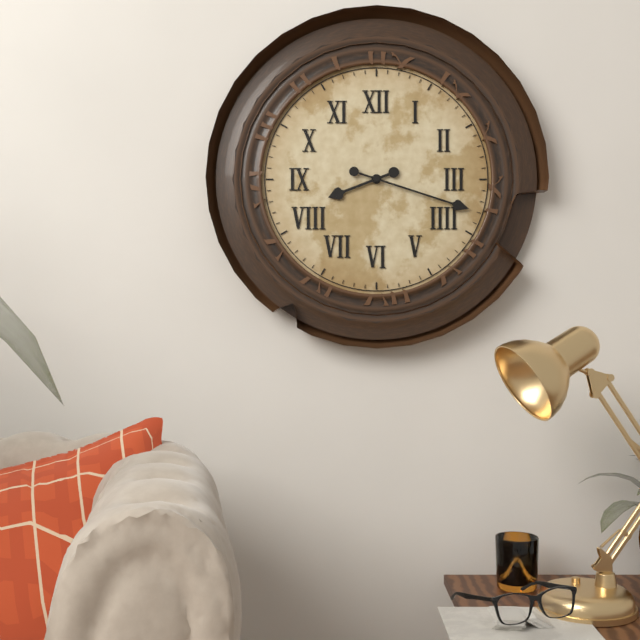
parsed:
8:18
